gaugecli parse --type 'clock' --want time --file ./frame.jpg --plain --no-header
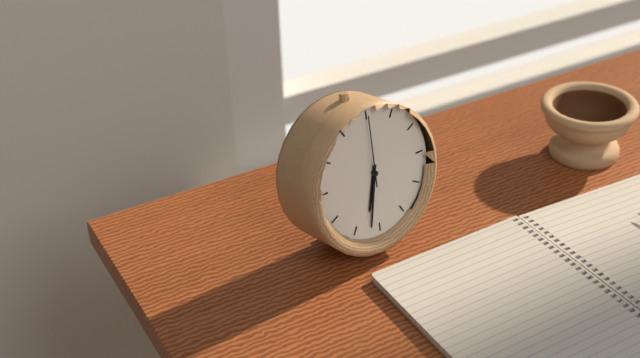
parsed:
6:32:00
